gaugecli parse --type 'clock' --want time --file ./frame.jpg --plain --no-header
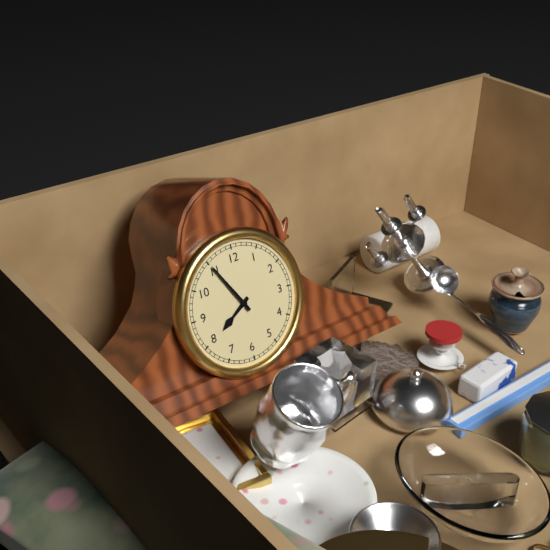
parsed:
7:55
